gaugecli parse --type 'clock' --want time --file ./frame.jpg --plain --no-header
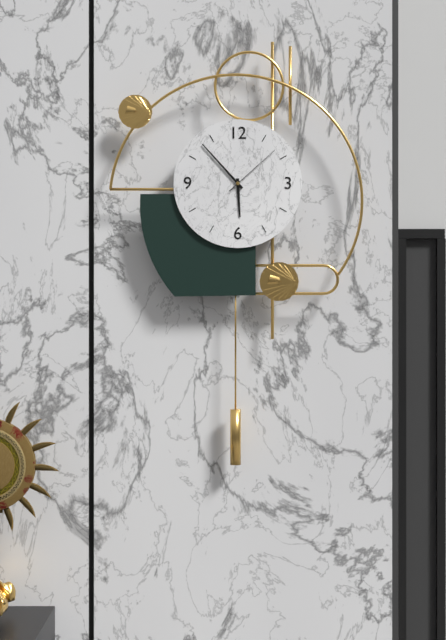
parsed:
5:53:08
